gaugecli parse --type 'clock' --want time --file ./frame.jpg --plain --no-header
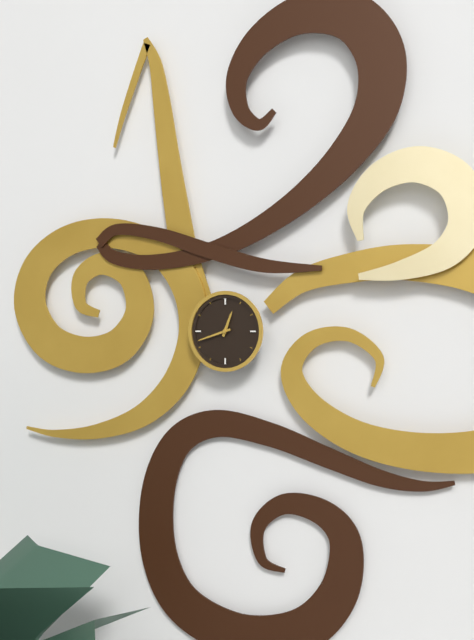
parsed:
12:42
